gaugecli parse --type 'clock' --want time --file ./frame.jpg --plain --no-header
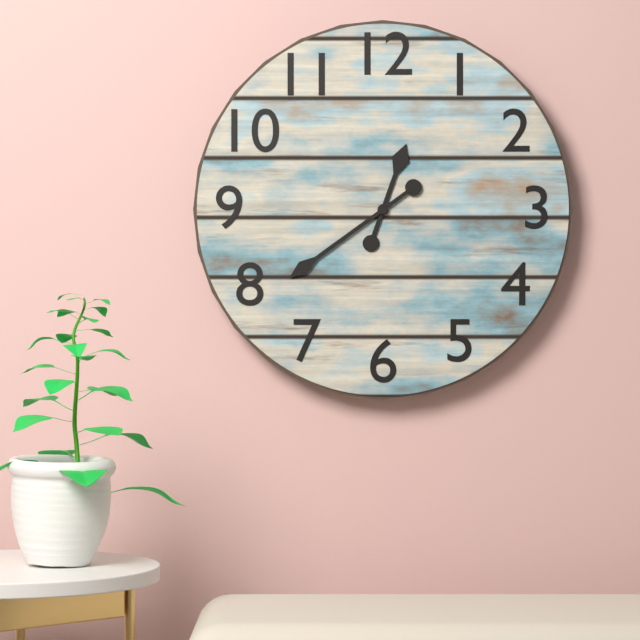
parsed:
12:39
